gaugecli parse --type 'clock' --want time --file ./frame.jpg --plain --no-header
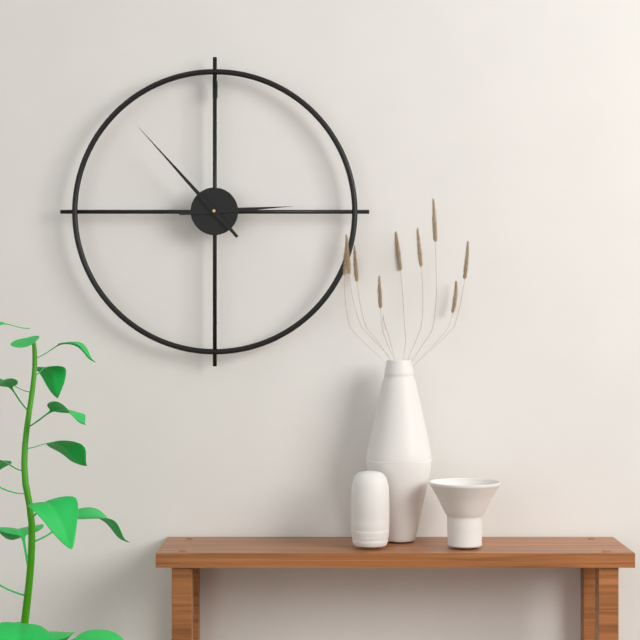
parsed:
2:53
